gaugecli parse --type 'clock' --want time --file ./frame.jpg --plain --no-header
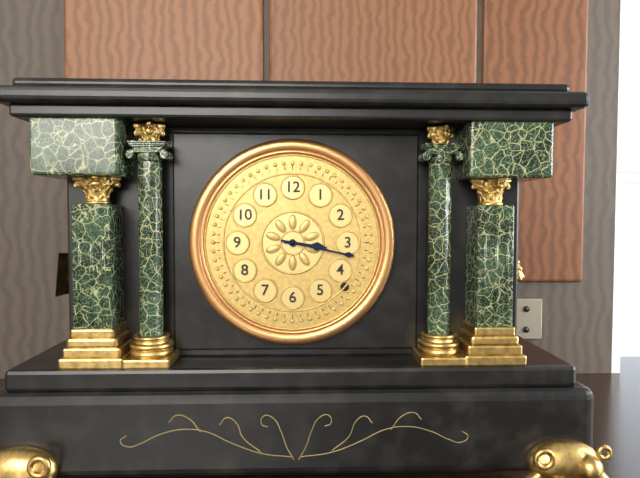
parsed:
3:17
